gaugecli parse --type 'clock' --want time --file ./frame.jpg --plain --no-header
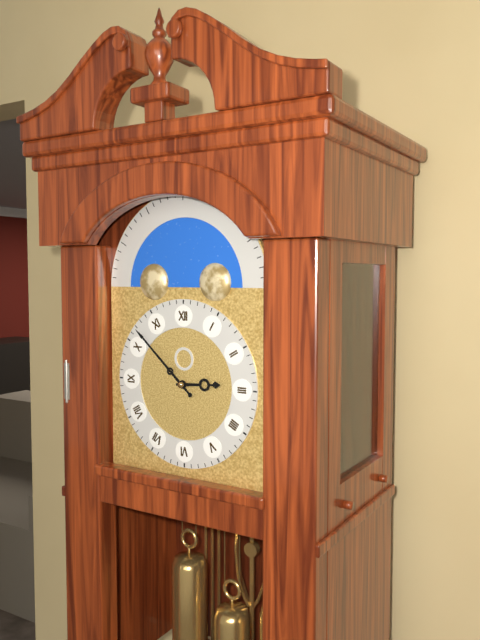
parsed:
2:52
